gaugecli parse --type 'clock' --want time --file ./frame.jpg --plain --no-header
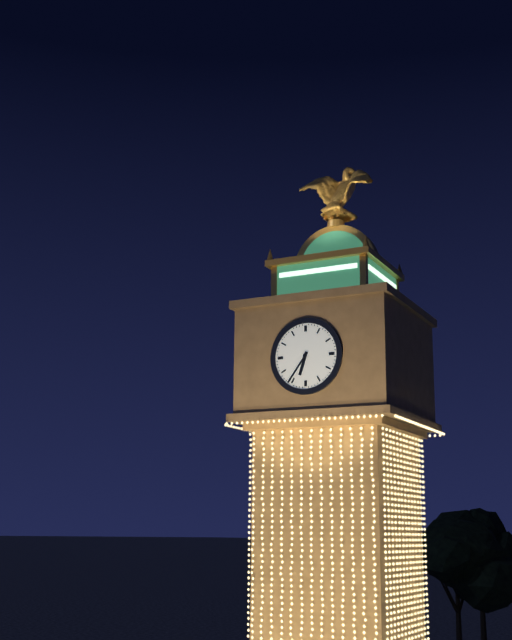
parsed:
6:36
